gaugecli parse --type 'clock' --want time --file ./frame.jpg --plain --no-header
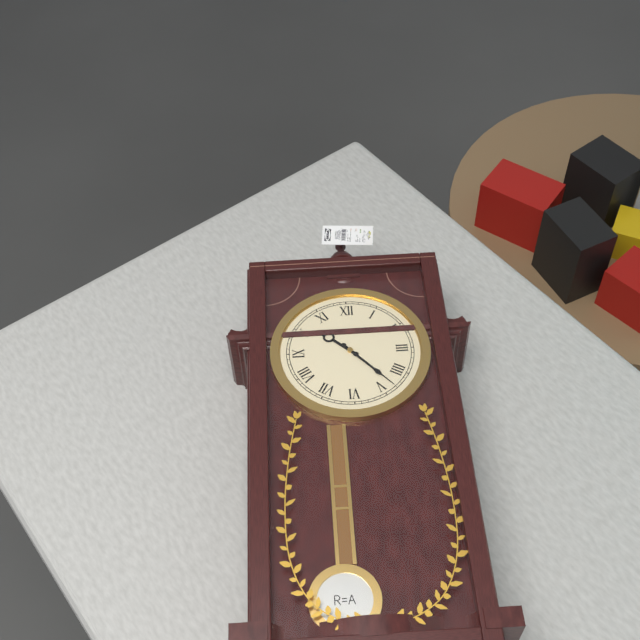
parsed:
10:23
